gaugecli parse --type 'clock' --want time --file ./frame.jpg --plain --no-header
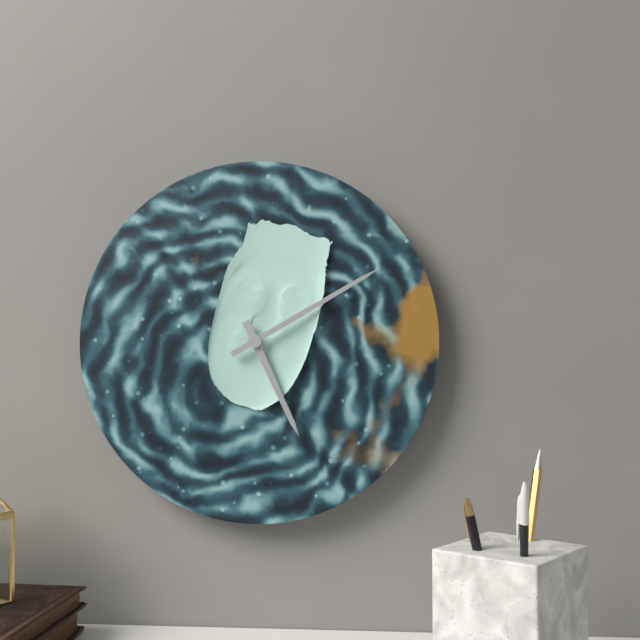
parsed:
5:10
